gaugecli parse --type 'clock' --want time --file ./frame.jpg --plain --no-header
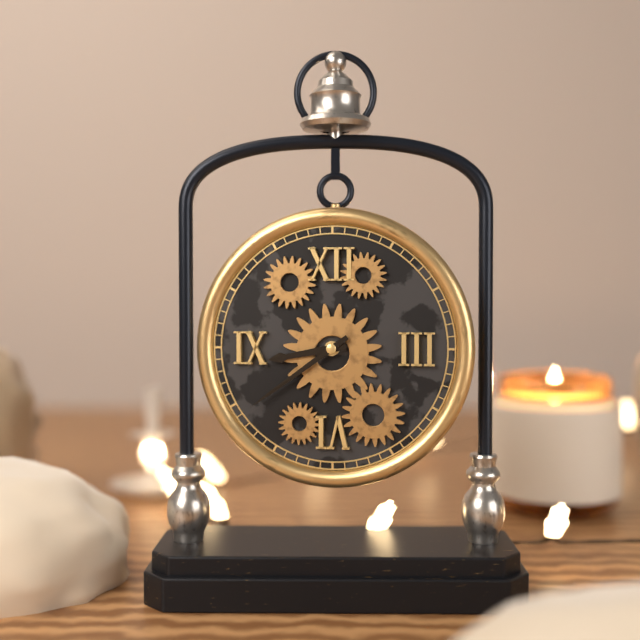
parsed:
8:39
